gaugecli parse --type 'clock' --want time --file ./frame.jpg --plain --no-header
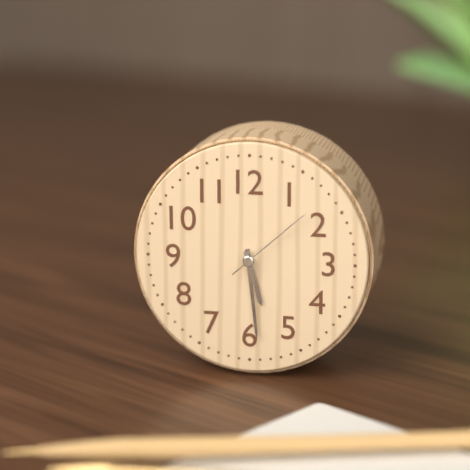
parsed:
5:29:08
